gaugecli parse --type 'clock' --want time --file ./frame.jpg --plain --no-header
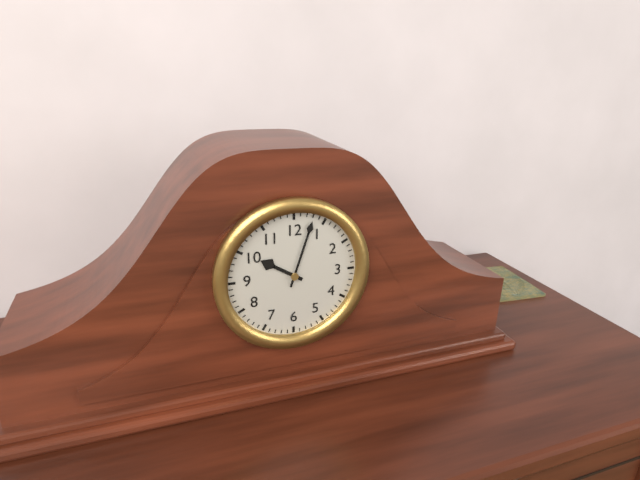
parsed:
10:03
